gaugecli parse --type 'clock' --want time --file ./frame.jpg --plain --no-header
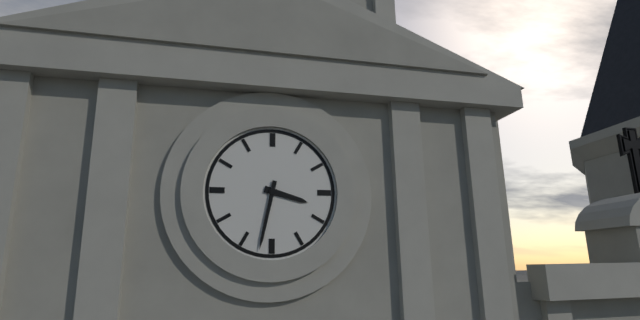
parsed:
3:32
